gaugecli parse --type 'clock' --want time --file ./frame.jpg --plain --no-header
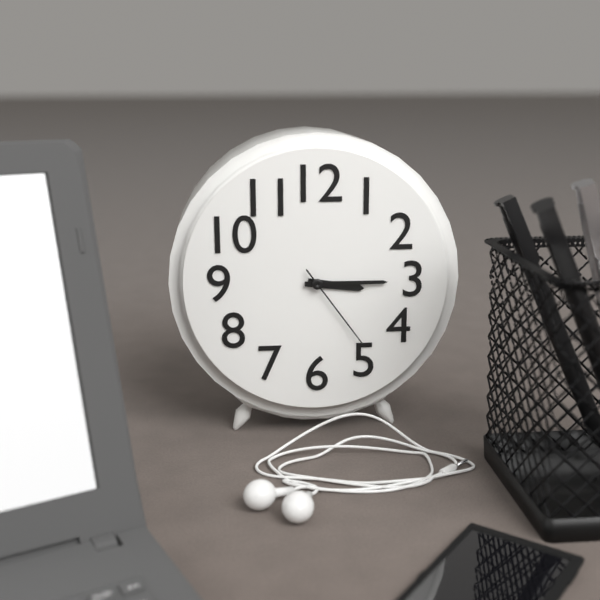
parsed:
3:15:24
